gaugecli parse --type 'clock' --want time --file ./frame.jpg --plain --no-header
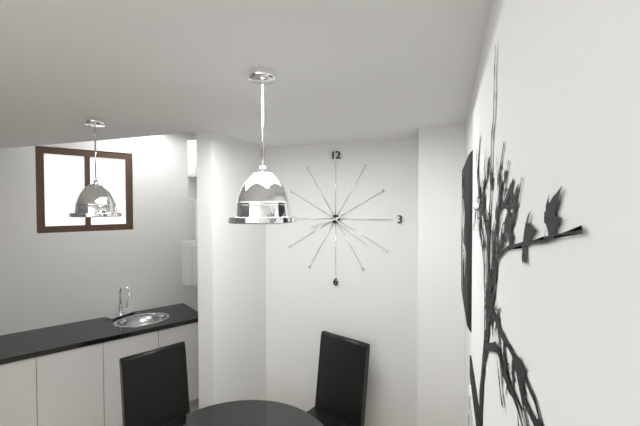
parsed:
8:21
